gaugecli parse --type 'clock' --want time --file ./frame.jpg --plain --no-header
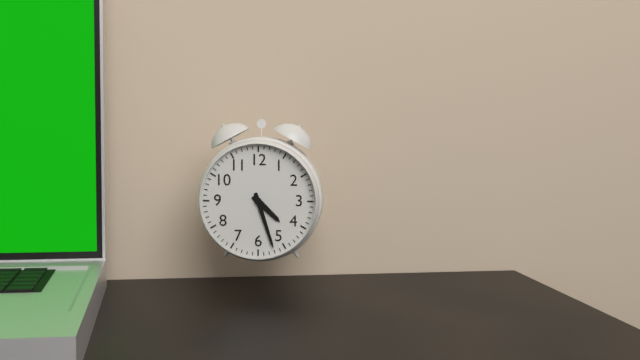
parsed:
4:27
